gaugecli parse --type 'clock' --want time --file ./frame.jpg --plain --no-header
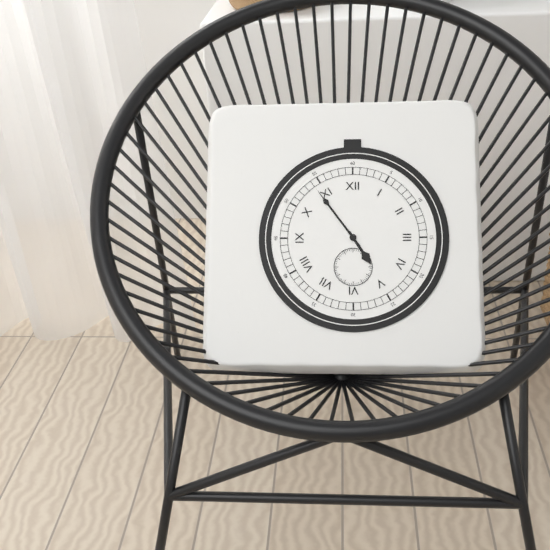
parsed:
4:54
